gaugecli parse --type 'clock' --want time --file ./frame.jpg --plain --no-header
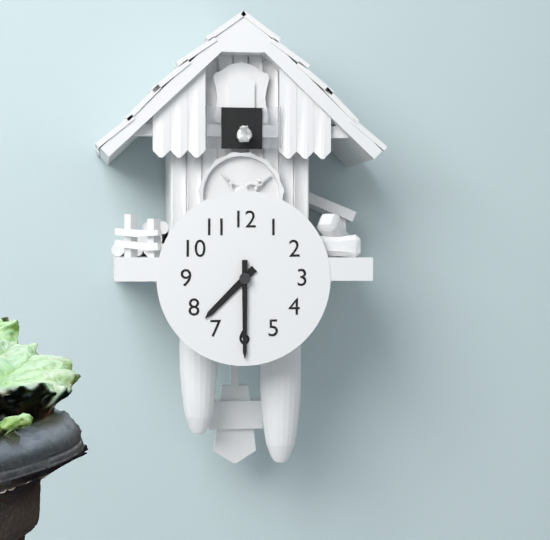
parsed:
7:30
